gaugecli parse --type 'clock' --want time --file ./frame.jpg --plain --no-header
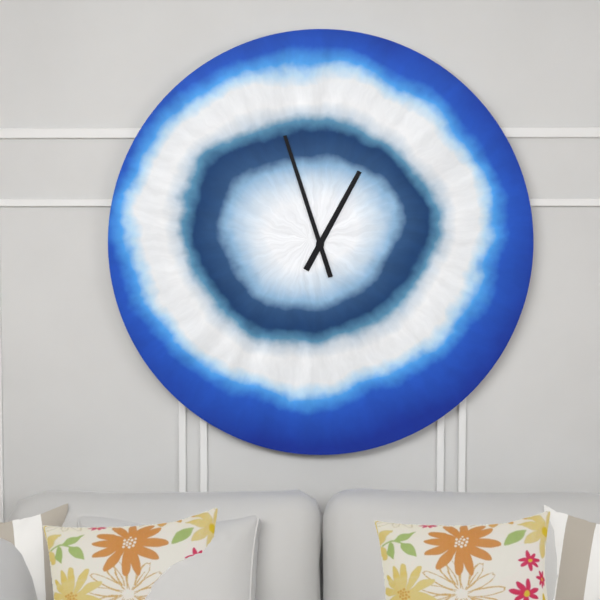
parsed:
12:57
